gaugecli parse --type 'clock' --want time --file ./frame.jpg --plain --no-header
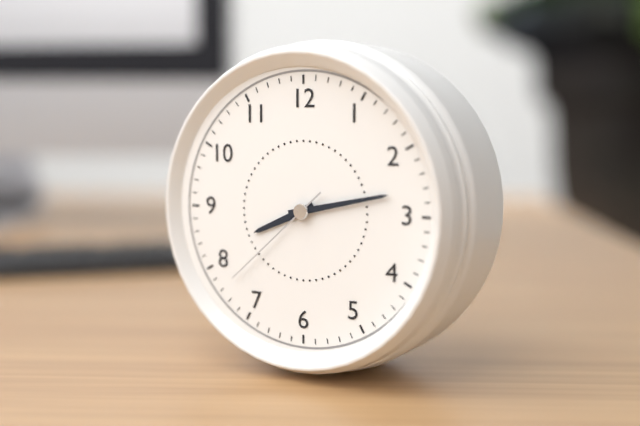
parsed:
8:13:38
